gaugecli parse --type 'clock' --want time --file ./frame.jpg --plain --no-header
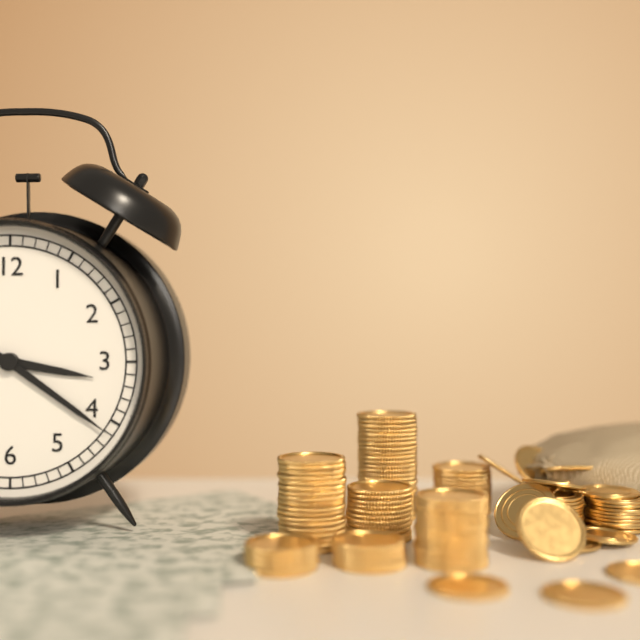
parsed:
3:21
